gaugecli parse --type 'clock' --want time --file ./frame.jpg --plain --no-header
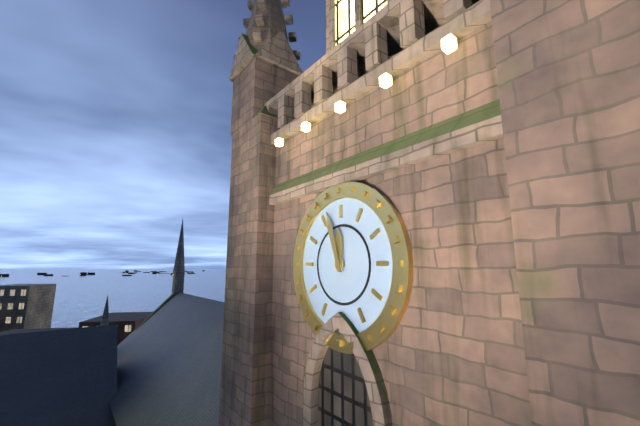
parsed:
11:57
